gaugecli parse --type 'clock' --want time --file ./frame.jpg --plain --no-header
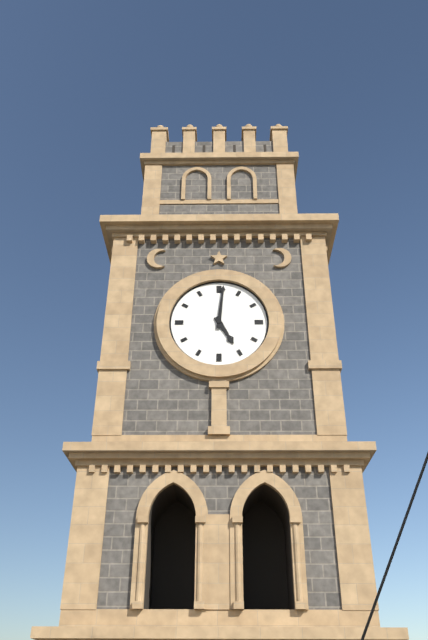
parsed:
5:01
